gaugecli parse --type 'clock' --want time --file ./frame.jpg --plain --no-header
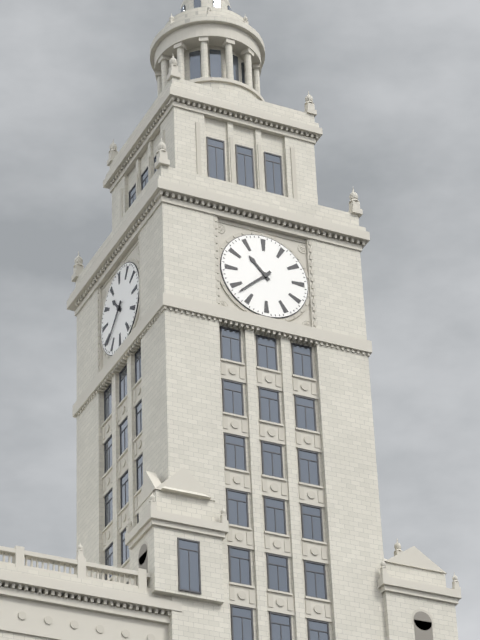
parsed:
10:38
